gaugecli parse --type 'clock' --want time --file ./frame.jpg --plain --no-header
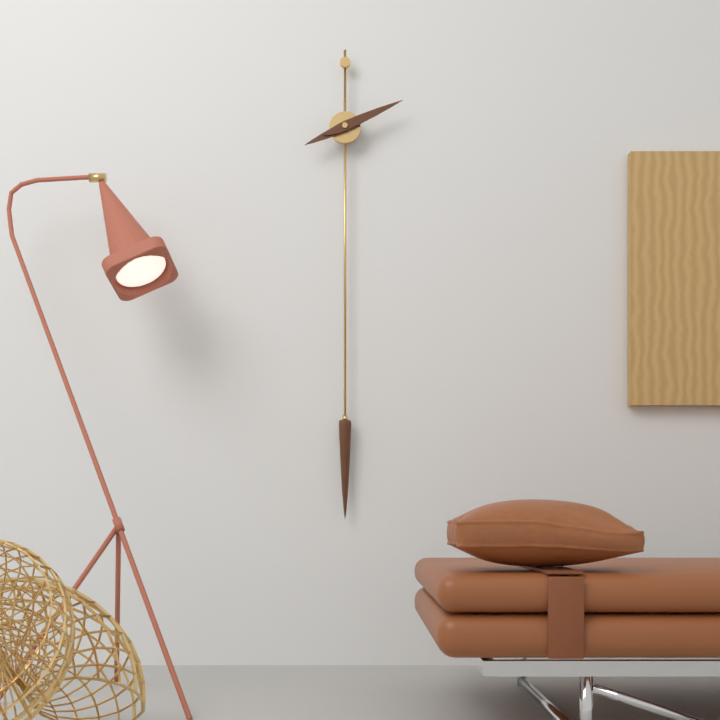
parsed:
8:11
